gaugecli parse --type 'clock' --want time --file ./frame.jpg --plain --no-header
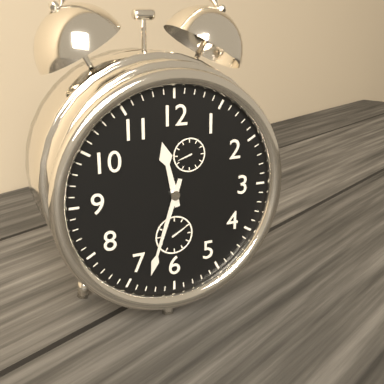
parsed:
11:33
